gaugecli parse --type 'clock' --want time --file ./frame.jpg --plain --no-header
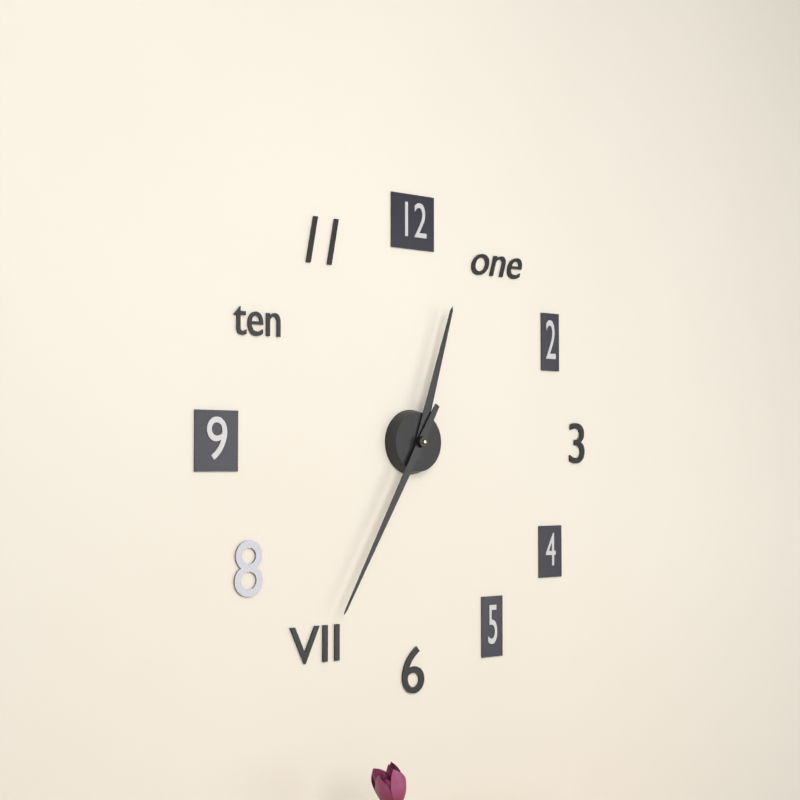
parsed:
12:35
